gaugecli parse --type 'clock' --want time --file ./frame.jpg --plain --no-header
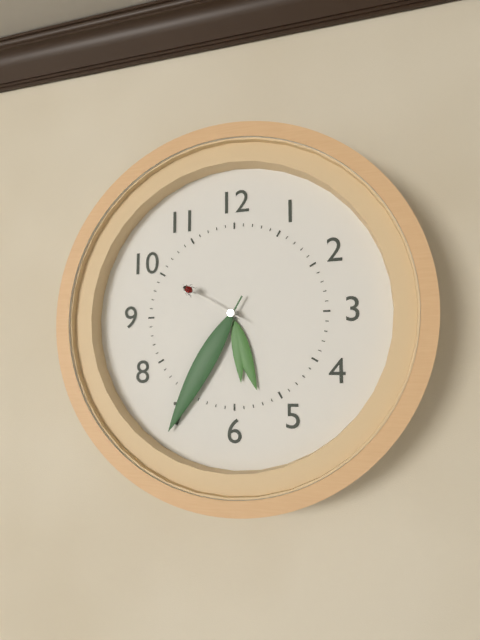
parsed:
5:35:50
